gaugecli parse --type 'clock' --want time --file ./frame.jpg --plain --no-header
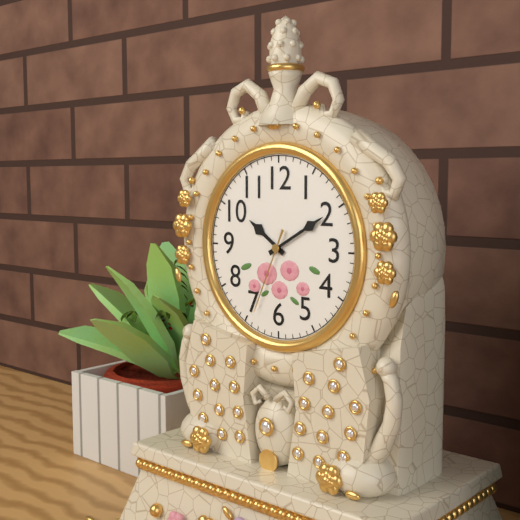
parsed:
10:10:34
